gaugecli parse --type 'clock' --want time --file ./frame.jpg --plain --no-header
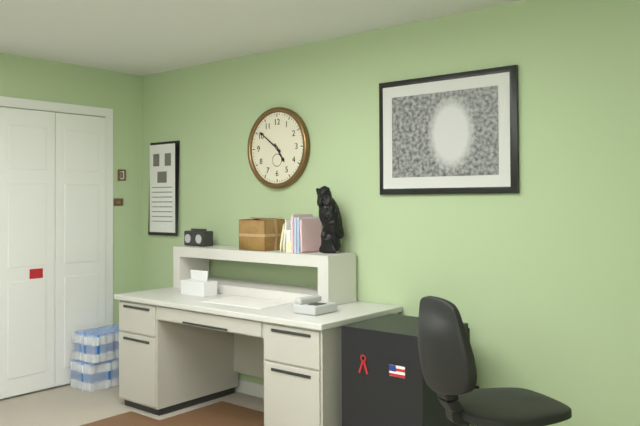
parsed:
4:51
